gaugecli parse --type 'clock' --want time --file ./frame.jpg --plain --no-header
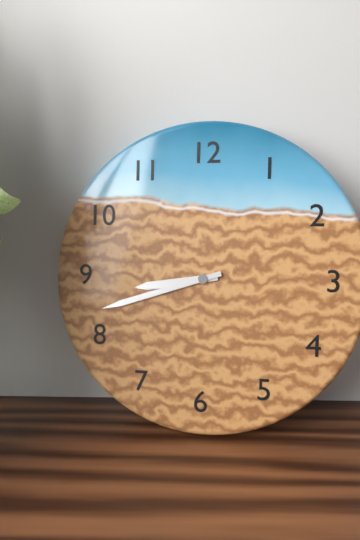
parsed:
8:42
